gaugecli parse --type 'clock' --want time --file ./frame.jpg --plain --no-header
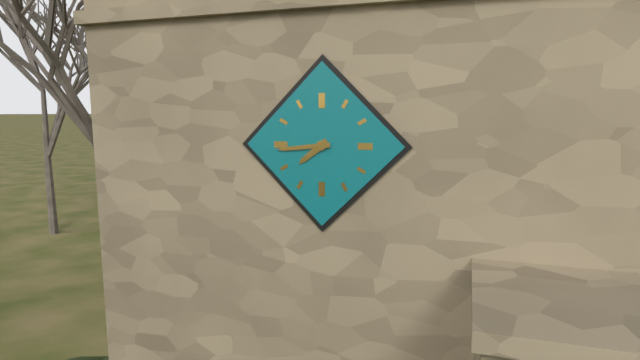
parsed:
7:44
